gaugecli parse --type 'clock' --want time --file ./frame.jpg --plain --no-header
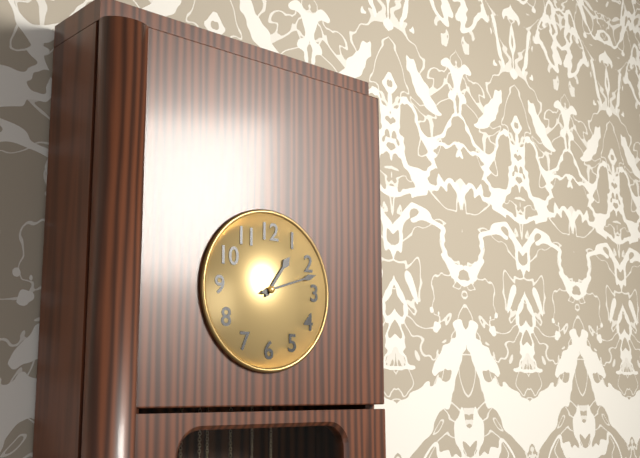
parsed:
1:12
